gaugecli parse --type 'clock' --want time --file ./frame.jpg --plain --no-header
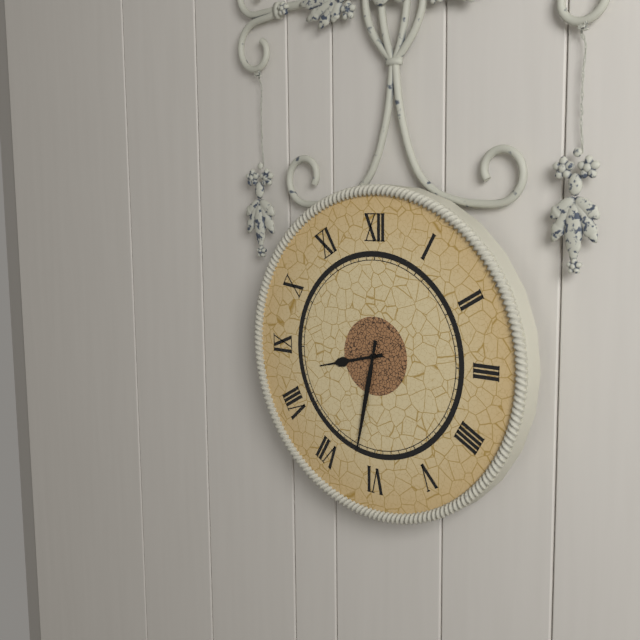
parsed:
8:32
